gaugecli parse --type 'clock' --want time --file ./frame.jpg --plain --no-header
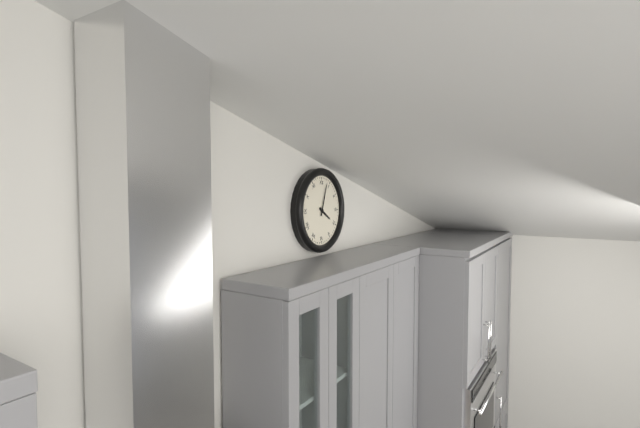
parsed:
4:03
